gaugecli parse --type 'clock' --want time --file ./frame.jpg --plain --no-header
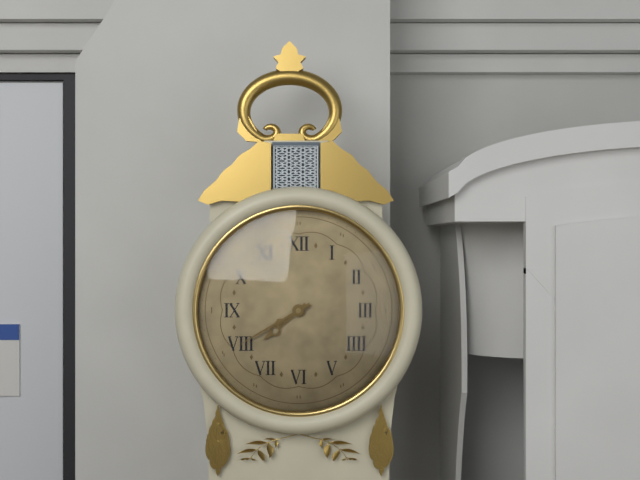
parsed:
7:40
